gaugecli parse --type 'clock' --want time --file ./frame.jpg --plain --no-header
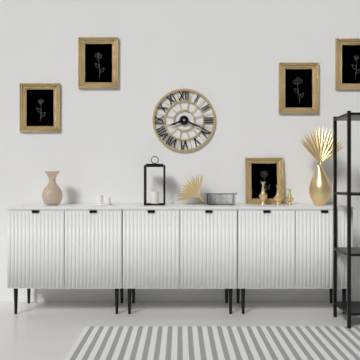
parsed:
8:19
